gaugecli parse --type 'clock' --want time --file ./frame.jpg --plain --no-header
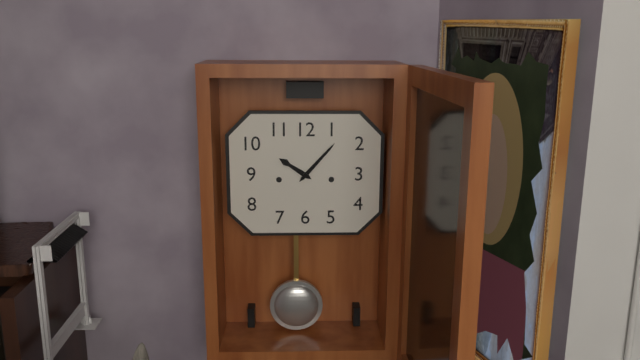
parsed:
10:07
